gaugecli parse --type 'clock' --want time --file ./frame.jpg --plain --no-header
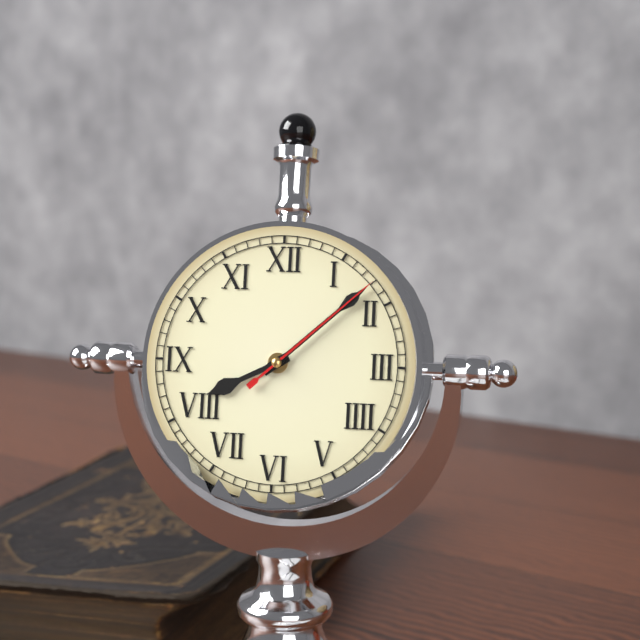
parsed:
8:08:08
